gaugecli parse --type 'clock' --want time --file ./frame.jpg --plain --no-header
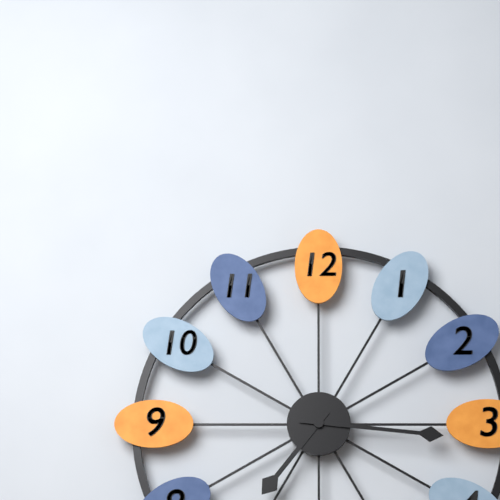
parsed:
7:16
